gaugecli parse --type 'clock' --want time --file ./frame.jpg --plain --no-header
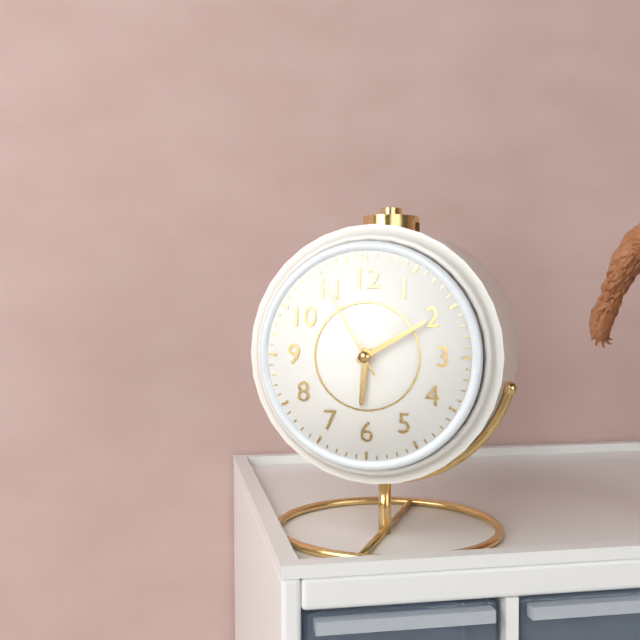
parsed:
6:10:55
